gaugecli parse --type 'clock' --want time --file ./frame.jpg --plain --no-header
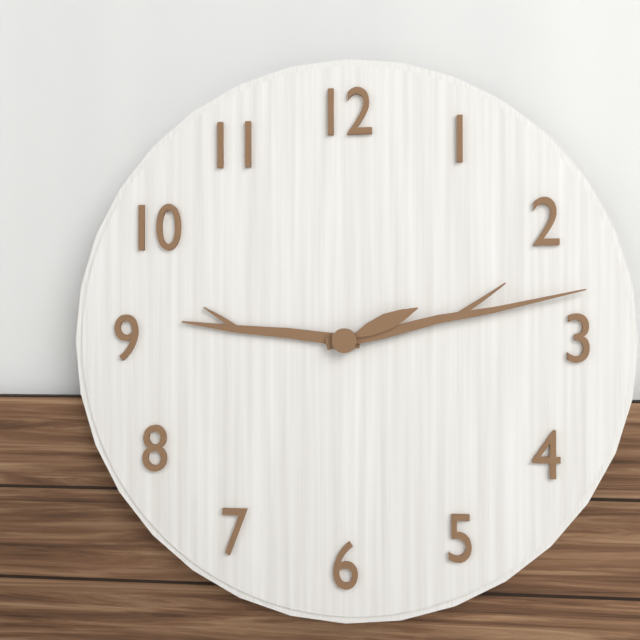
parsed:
9:13:11
